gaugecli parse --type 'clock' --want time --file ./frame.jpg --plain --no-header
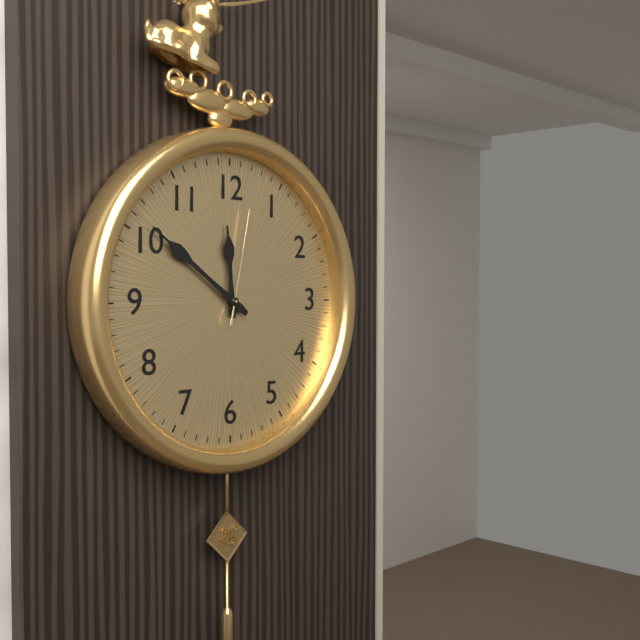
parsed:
11:51:02
